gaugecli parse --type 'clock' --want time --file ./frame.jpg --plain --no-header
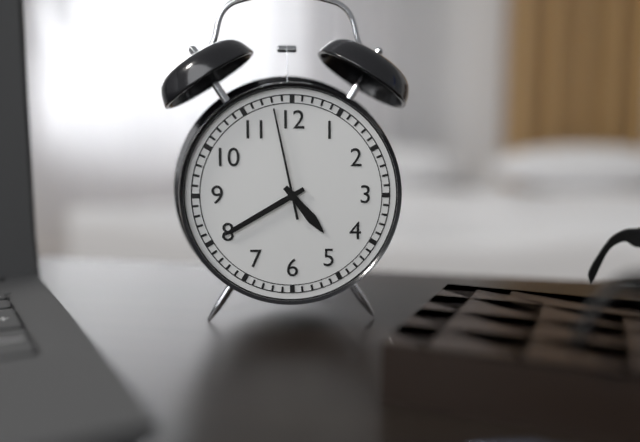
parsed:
4:40:58
